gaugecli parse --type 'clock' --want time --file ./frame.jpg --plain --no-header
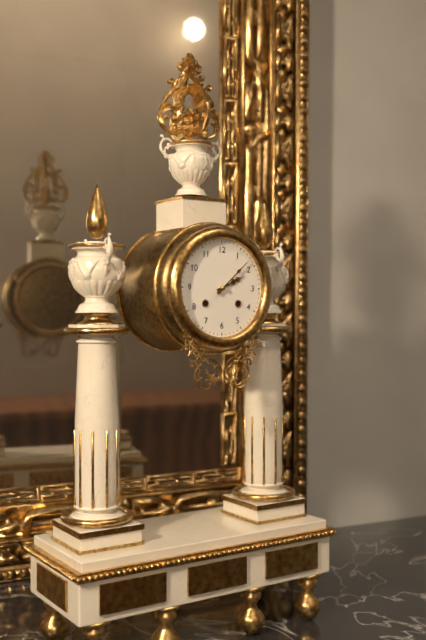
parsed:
2:08
